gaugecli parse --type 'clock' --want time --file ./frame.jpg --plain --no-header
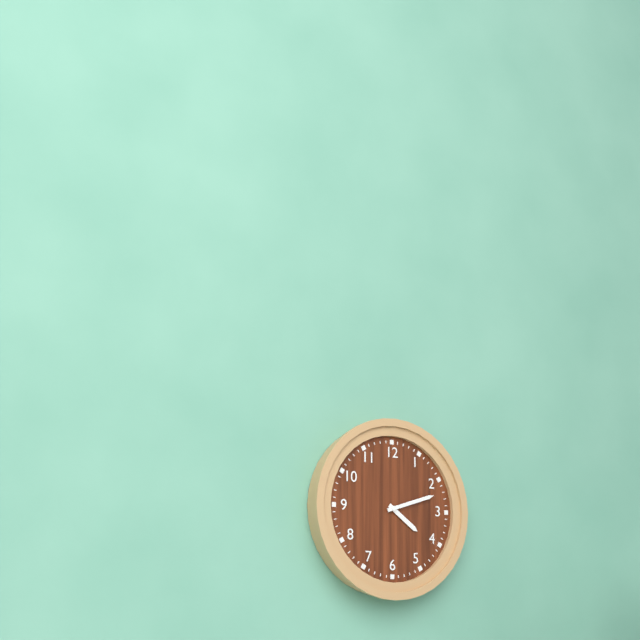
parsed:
4:12
